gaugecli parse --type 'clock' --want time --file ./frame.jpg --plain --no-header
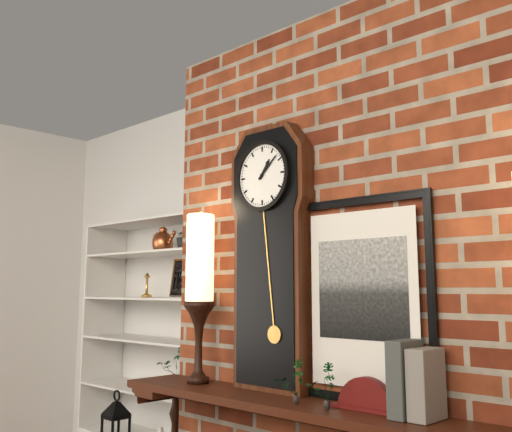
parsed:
1:08
